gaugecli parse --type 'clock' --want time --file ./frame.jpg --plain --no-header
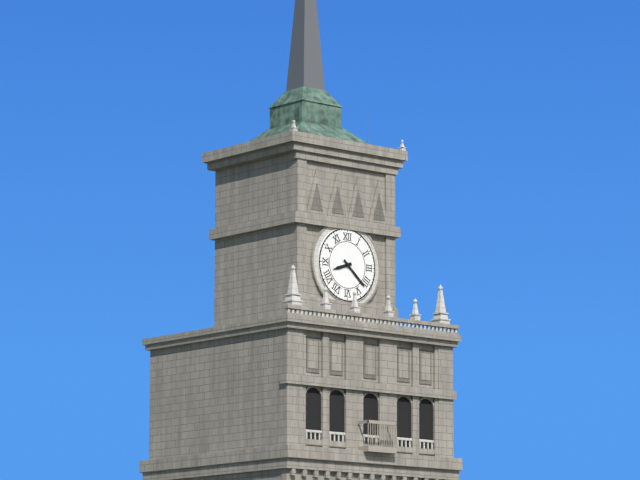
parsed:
8:22
